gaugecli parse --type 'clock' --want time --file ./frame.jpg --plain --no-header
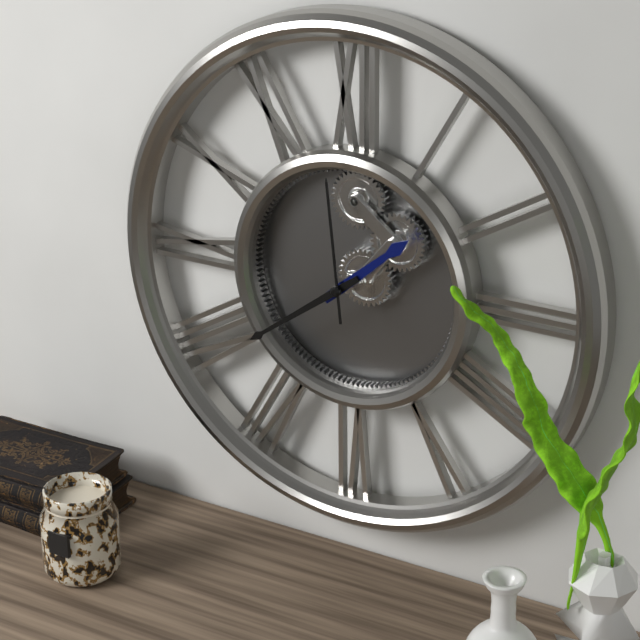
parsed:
1:39:59
